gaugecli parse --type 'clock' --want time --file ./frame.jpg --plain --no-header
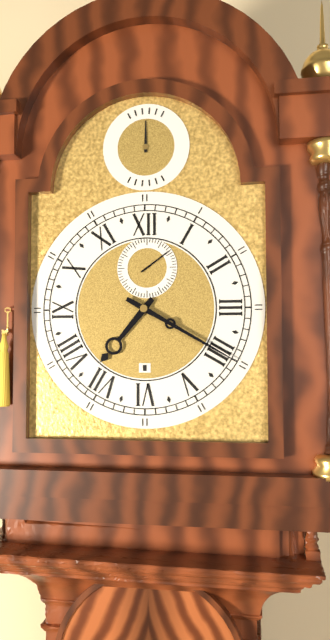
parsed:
7:20
